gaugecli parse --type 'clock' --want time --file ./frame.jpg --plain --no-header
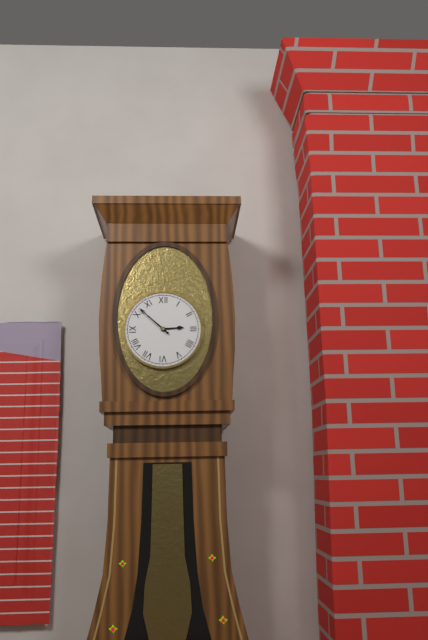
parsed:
2:52
